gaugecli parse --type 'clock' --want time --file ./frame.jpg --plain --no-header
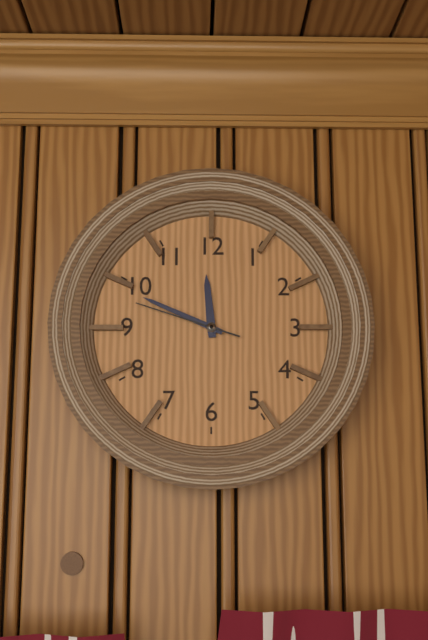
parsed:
11:49:48
